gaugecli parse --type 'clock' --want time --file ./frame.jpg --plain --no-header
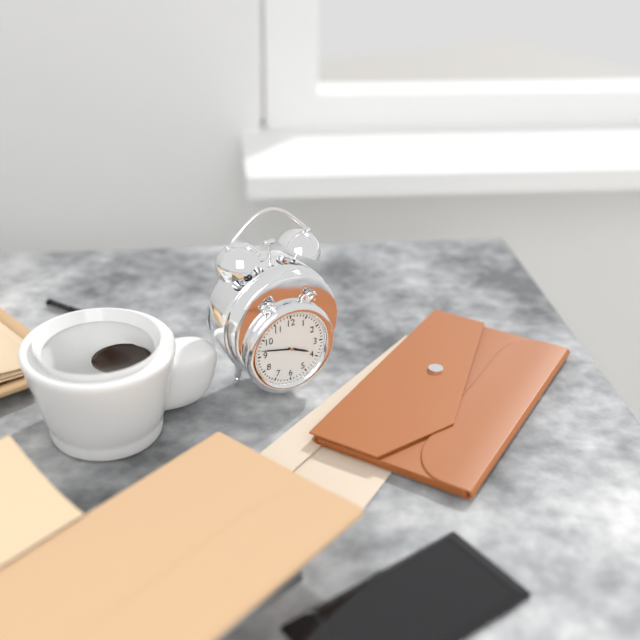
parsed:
3:47
